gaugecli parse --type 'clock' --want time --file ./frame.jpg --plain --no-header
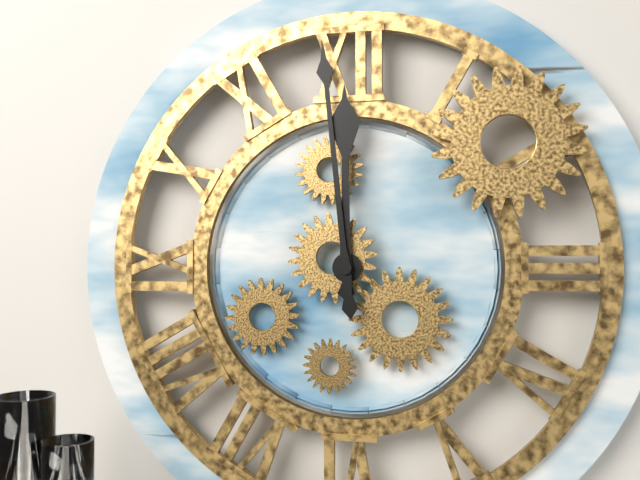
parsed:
11:59
